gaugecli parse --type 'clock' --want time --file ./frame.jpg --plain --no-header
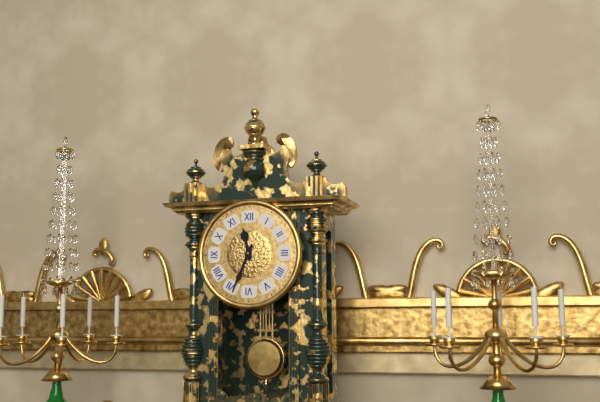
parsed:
11:34
